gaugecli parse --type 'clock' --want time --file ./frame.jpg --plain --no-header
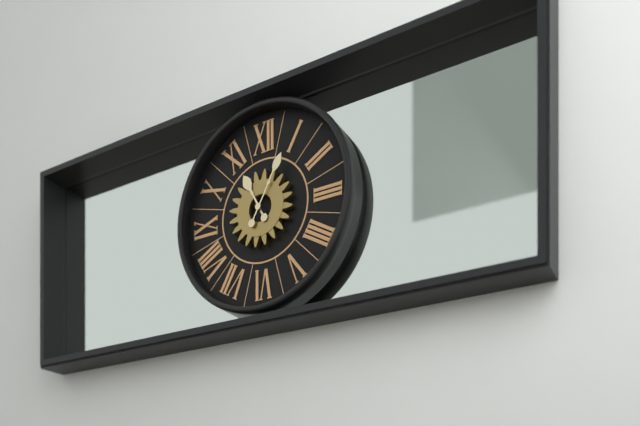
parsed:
11:05
